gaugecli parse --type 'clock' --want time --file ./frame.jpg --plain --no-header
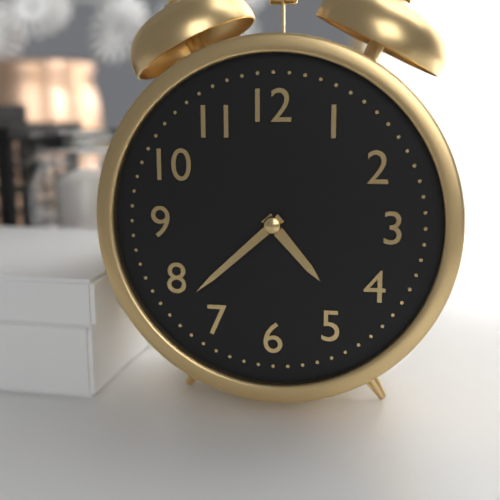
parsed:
4:38
